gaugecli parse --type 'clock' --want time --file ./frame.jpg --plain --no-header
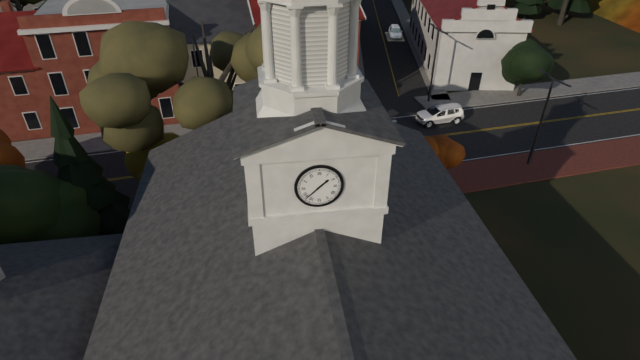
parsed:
1:38
